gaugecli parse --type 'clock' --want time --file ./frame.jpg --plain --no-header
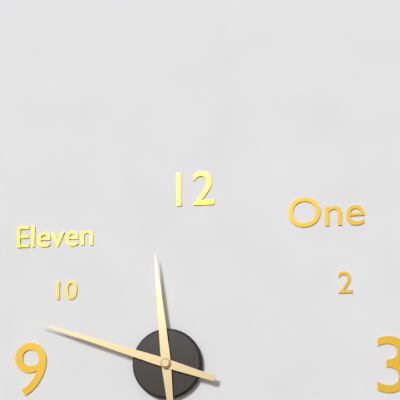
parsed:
11:48
